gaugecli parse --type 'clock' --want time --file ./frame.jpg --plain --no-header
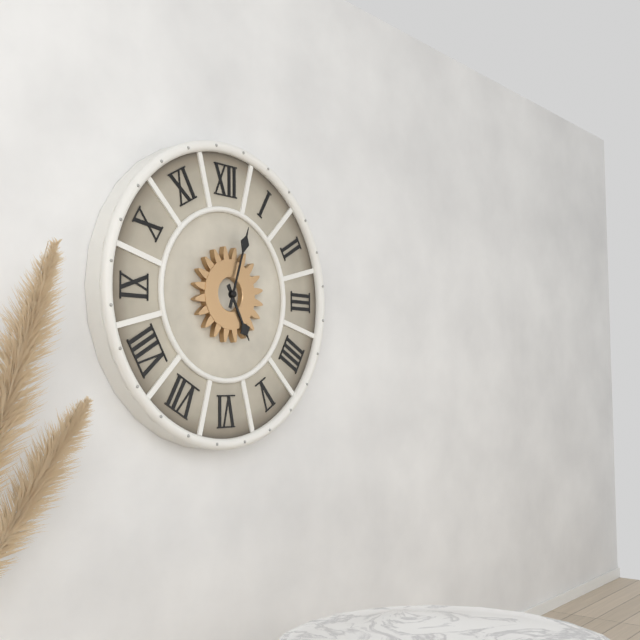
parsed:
5:03
